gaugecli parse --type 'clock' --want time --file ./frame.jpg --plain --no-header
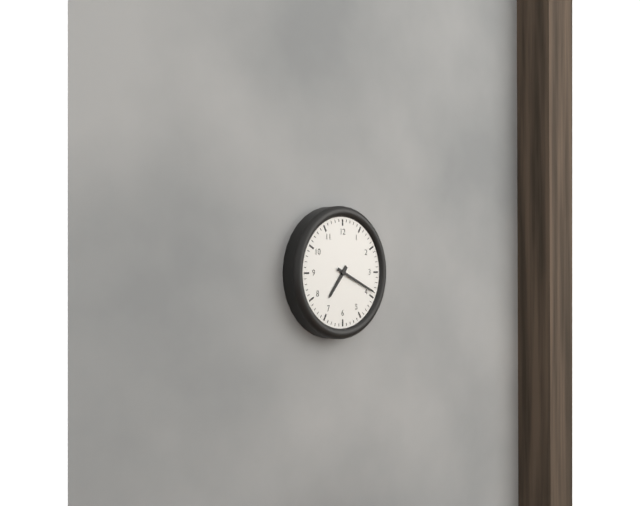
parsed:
7:19
